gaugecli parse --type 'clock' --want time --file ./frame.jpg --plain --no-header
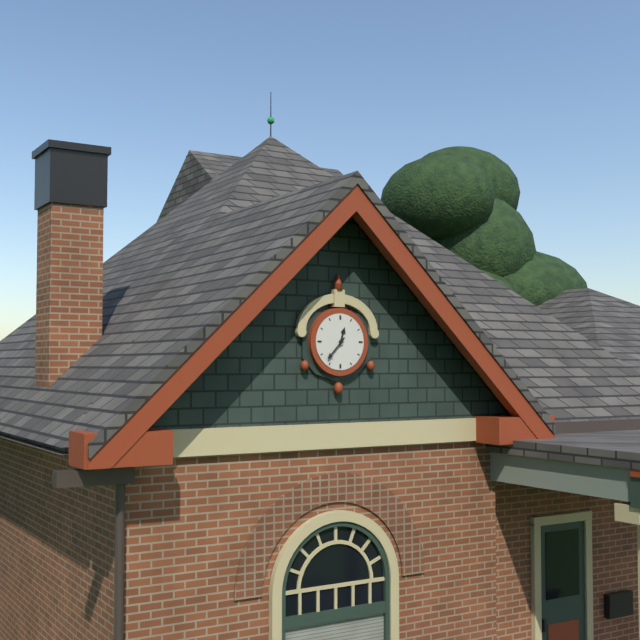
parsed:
12:37
